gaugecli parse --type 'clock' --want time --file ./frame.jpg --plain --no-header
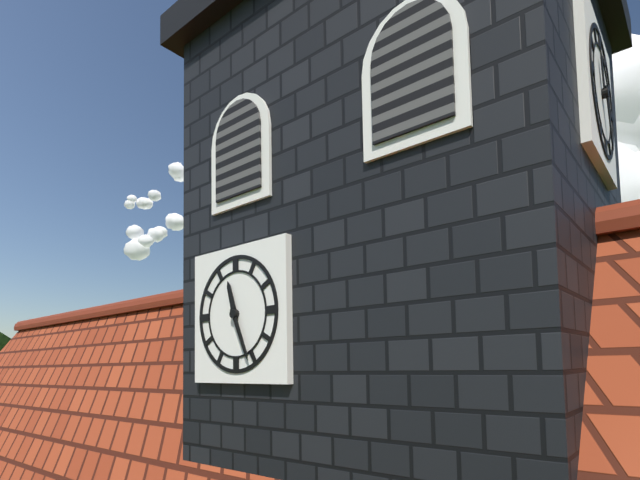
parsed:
11:26
